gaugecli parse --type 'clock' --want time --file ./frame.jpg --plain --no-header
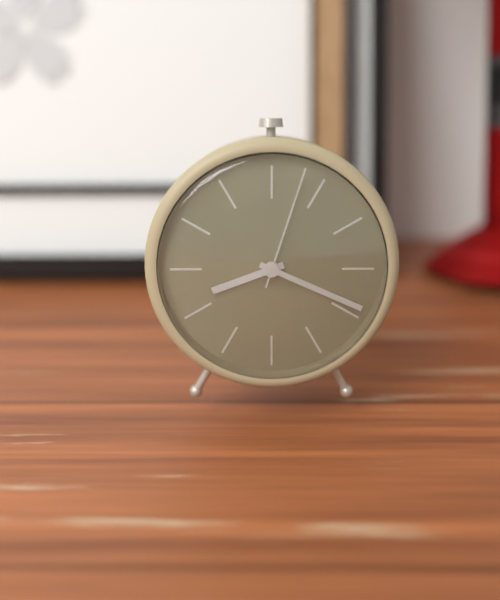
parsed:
8:19:03
